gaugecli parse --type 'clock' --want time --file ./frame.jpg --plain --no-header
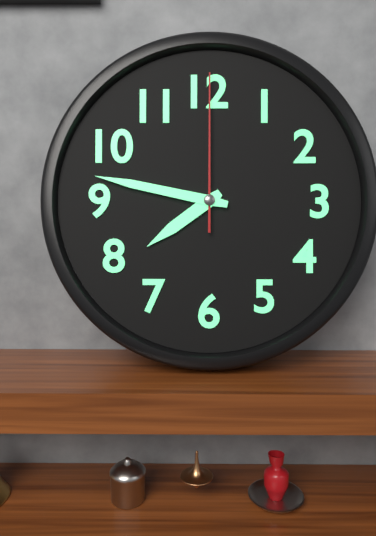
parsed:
7:47:00
